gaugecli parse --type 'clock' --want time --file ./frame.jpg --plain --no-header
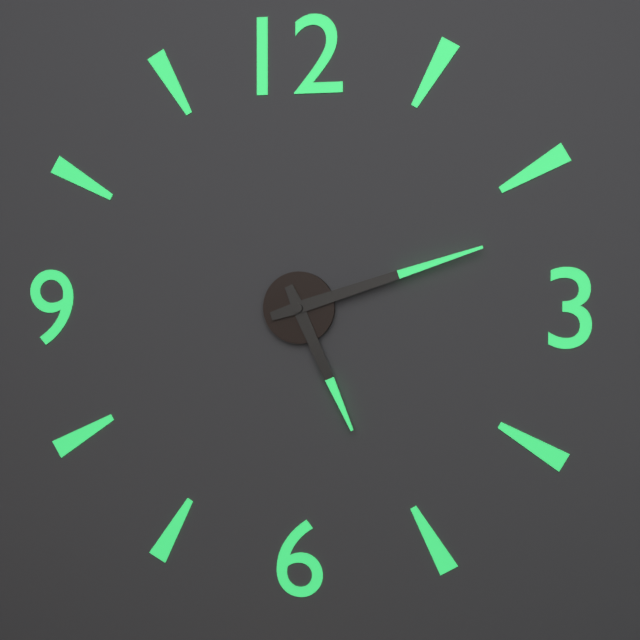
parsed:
5:12
